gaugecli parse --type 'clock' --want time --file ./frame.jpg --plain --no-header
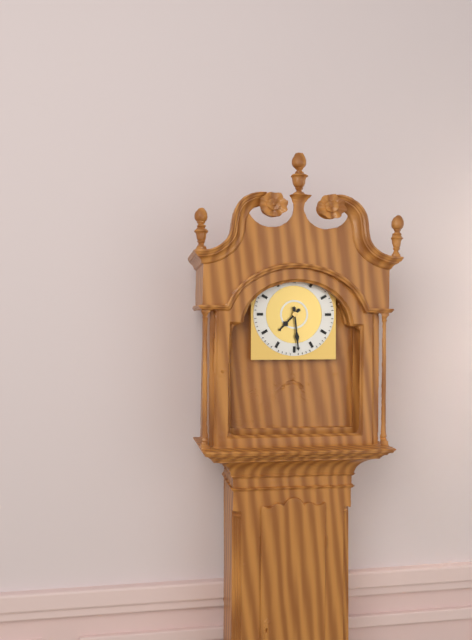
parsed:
7:29
